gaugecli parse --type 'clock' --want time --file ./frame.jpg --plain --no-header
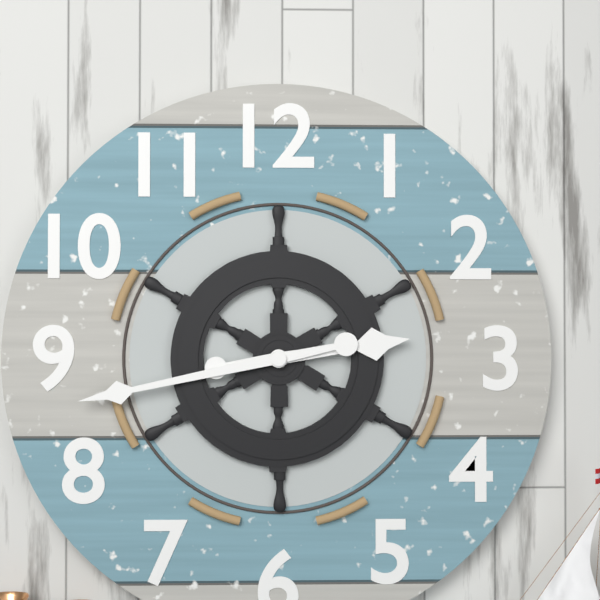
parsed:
2:43
